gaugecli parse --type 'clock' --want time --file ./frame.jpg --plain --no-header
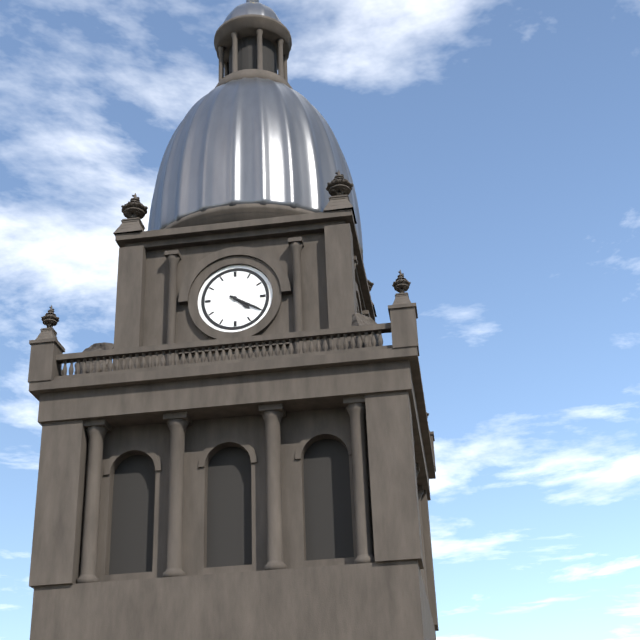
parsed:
4:20
